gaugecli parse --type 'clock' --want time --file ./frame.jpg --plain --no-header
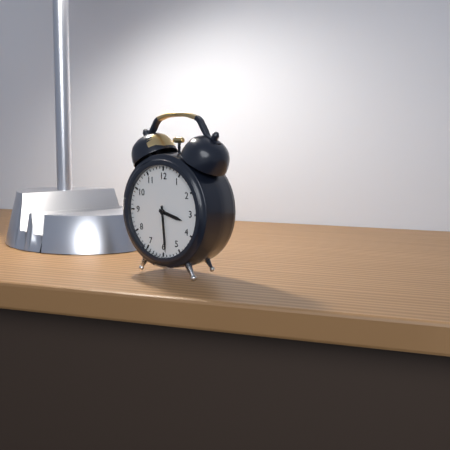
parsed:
3:29
